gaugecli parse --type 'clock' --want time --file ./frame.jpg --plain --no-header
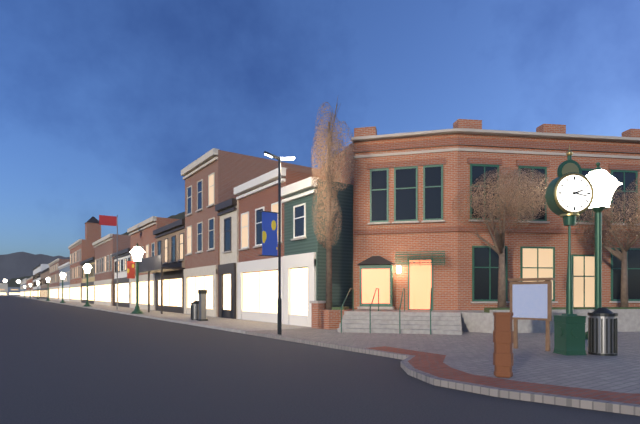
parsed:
2:17
